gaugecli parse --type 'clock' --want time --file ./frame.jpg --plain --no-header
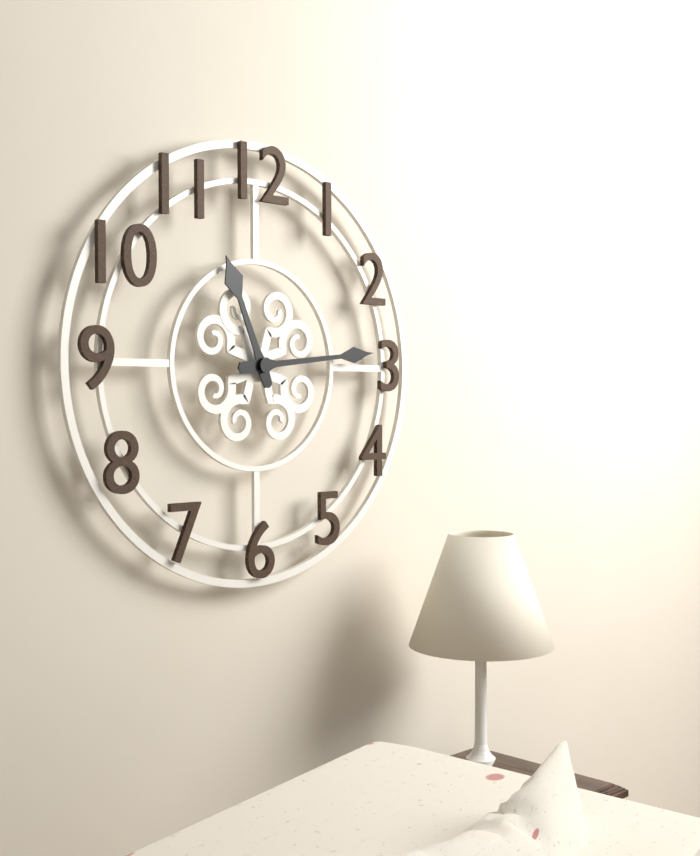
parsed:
11:14
